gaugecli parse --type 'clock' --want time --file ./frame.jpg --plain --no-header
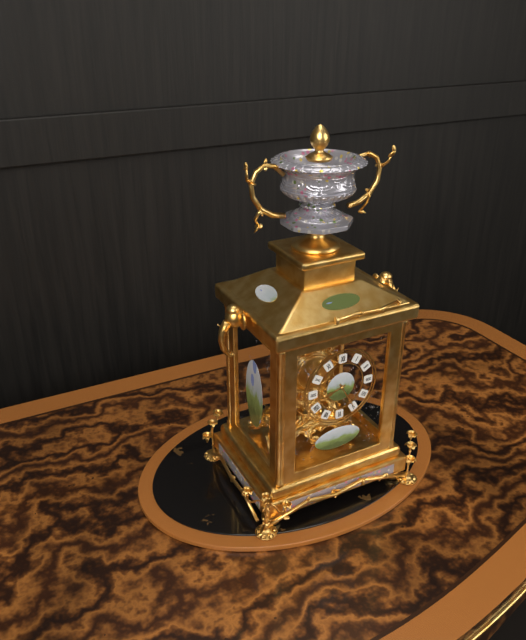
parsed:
8:25
